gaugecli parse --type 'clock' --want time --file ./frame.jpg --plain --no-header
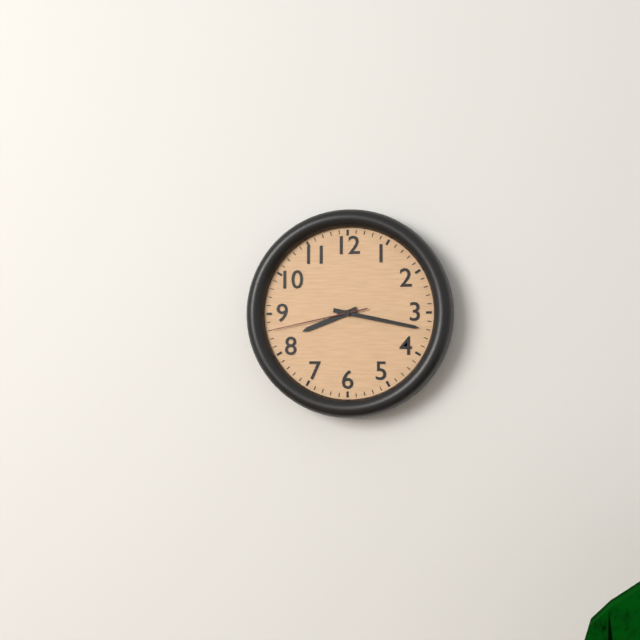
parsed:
8:17:43
